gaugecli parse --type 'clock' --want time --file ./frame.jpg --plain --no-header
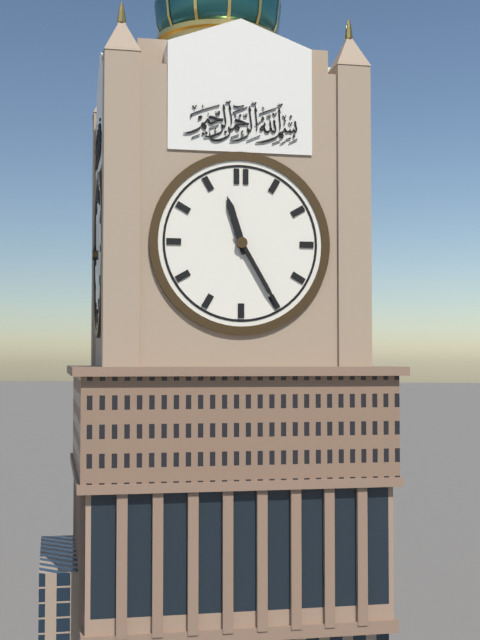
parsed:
11:25
